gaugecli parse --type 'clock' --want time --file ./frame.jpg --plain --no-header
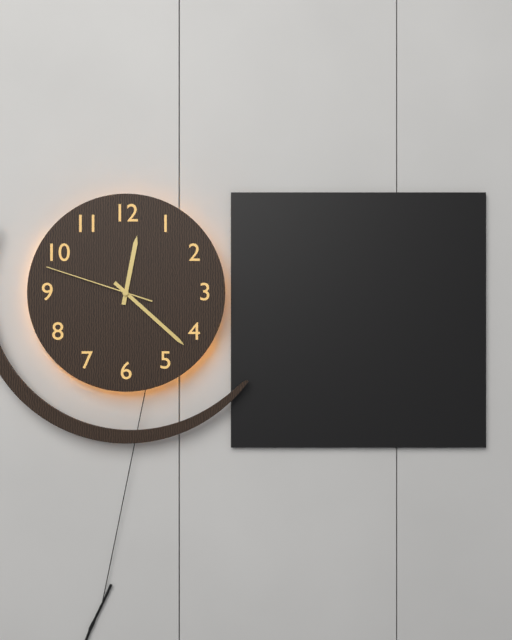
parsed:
12:22:48
